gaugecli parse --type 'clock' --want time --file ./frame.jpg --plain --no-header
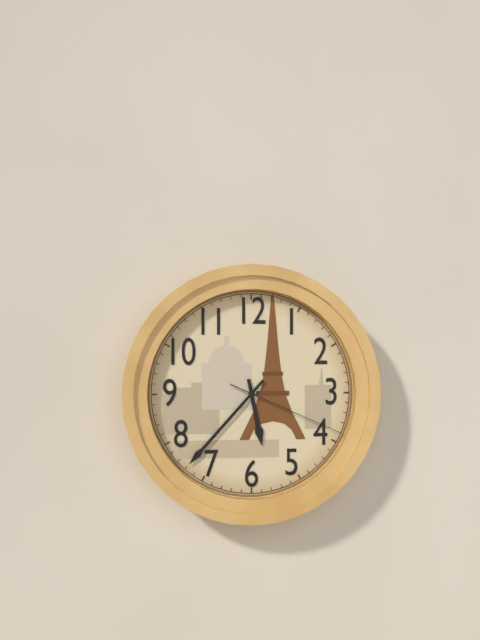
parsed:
5:37:19
